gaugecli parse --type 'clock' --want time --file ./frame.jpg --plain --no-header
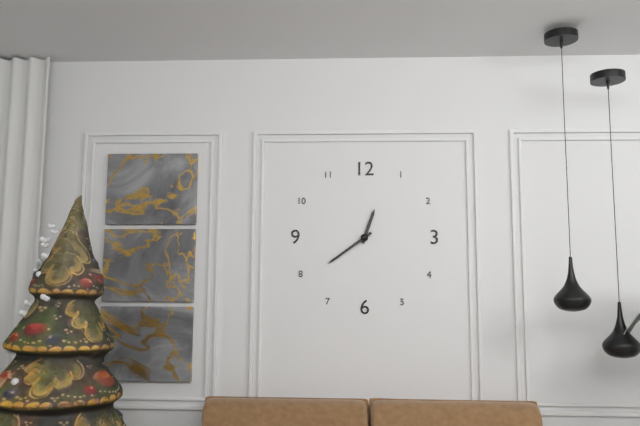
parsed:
12:39
